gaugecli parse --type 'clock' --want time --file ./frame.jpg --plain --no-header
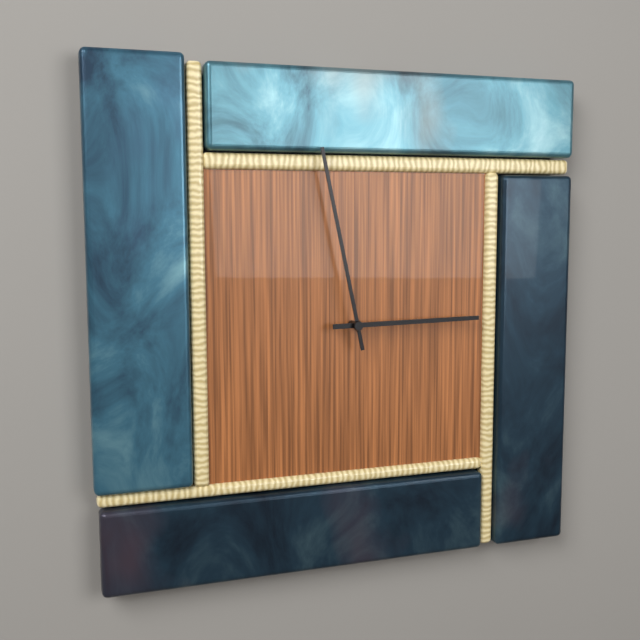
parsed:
2:58
